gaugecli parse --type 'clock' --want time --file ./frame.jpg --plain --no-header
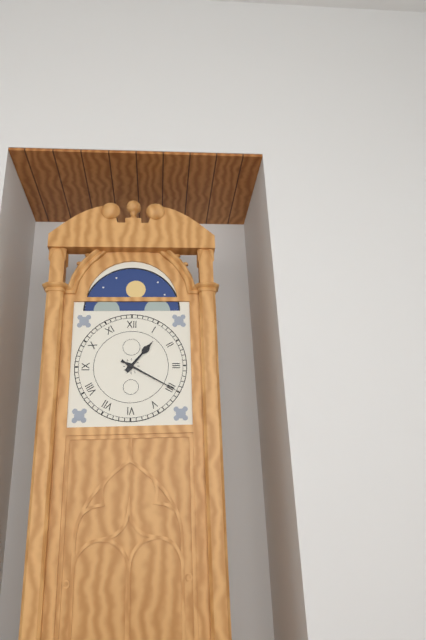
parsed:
1:20
